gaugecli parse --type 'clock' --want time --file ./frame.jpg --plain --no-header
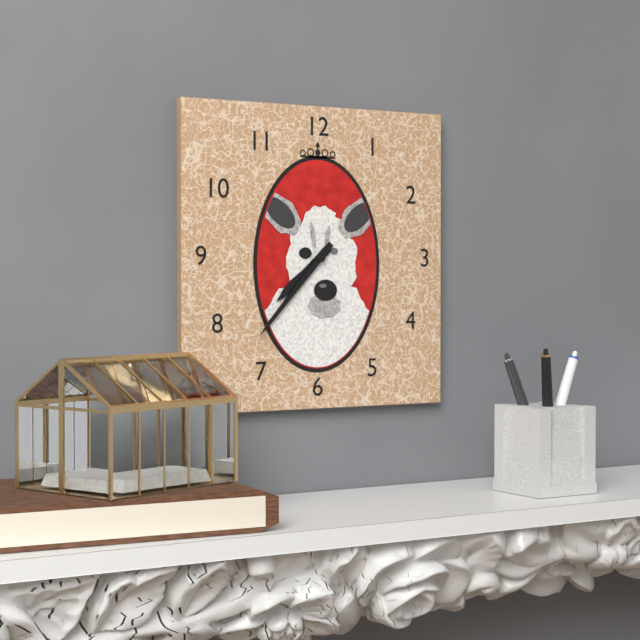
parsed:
7:37
